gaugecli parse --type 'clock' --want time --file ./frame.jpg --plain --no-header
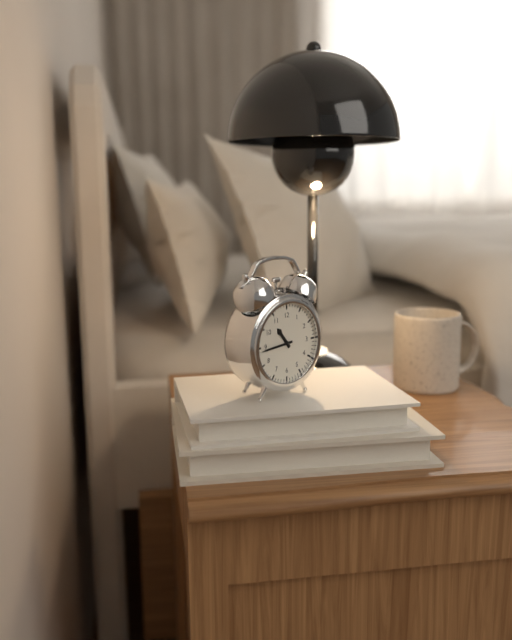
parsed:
10:44
